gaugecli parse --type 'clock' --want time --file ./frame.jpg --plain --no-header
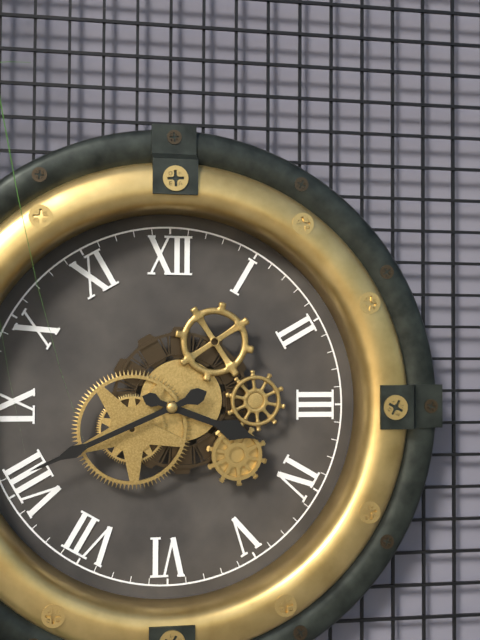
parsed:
3:41
